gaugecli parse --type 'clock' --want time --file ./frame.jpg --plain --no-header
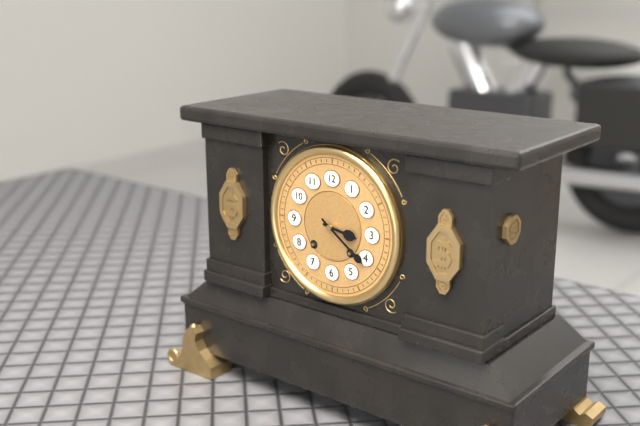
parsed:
3:21
